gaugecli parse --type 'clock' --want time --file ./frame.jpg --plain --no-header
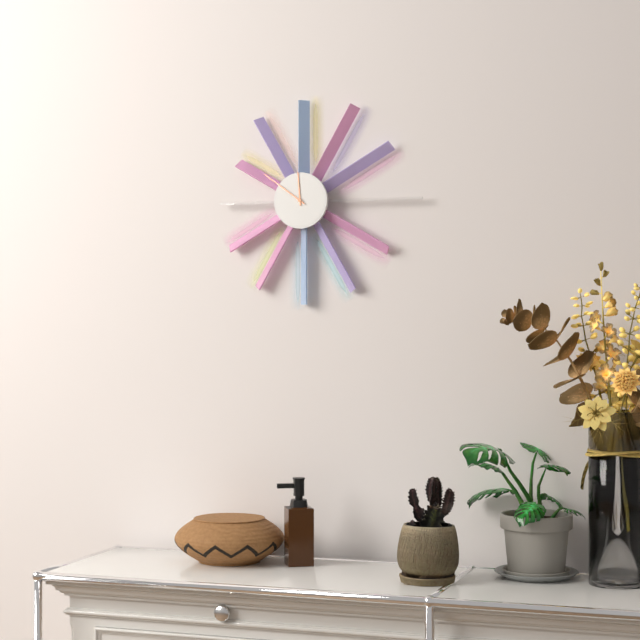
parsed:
11:51
